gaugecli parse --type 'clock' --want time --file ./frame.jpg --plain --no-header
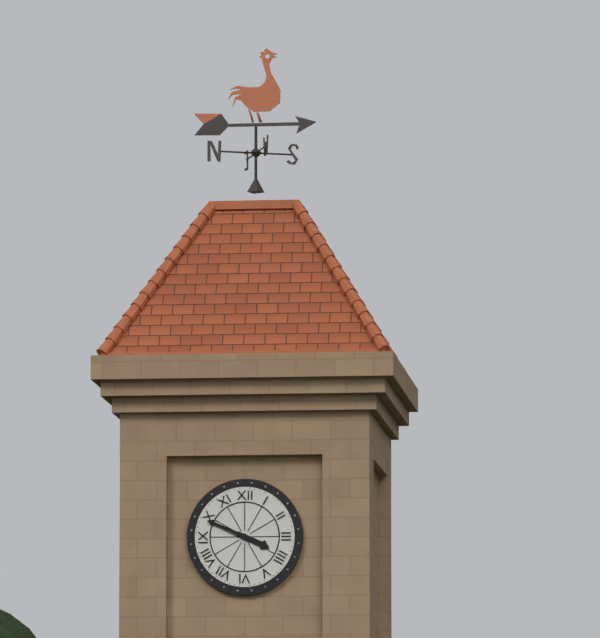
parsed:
3:49
